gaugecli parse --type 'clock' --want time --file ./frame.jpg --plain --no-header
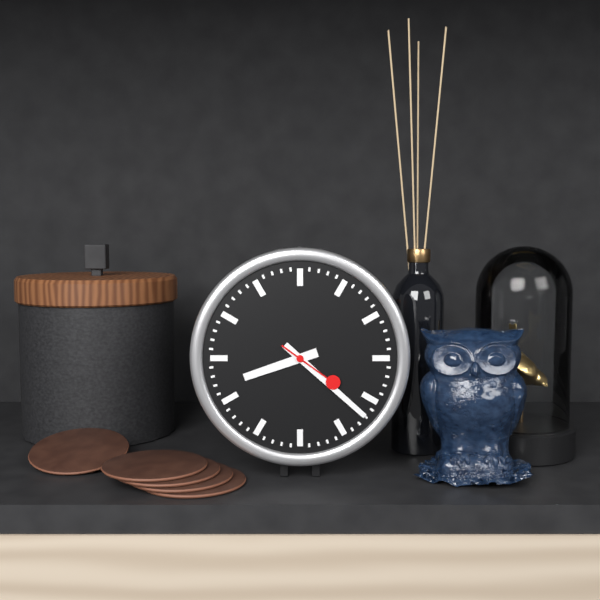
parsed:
8:22:21
